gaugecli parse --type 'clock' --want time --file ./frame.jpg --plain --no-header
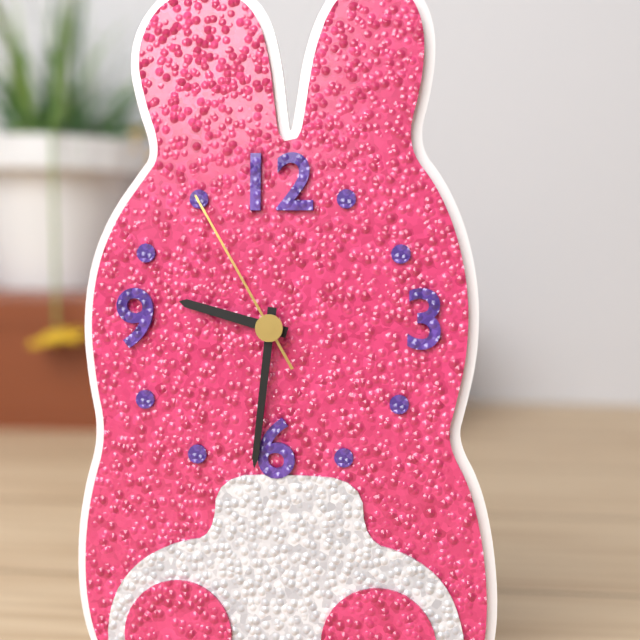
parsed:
9:31:55
